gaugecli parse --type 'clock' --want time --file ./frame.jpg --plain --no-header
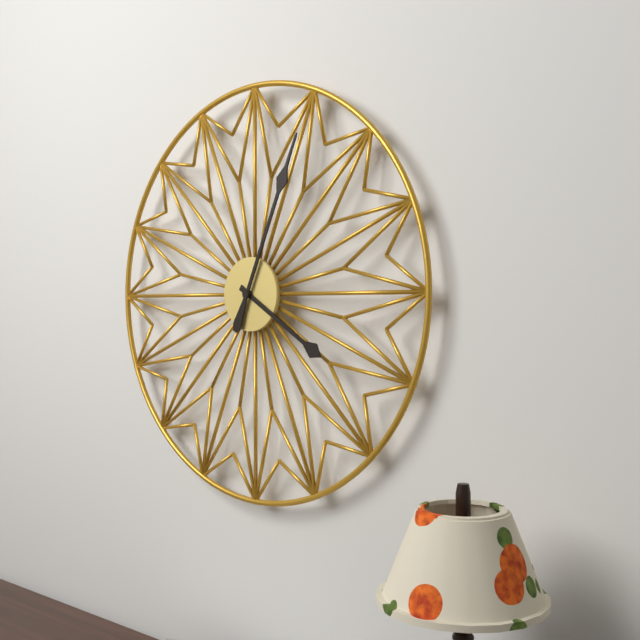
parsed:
4:04
